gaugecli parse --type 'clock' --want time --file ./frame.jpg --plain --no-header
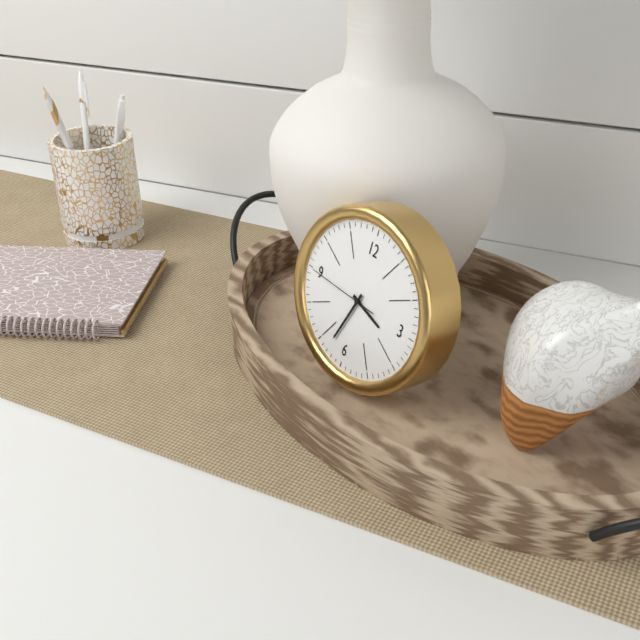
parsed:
3:33:45
